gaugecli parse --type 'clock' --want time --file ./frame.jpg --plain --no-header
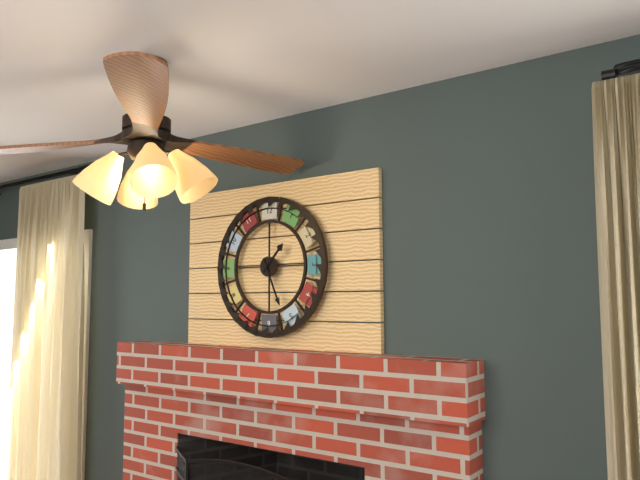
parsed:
1:26
